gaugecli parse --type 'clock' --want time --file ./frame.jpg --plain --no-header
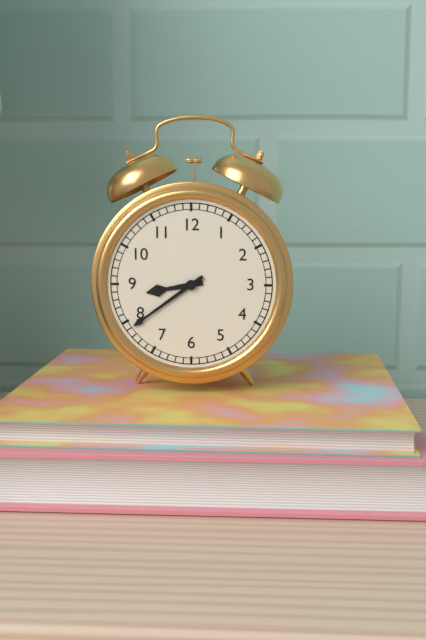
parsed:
8:39
